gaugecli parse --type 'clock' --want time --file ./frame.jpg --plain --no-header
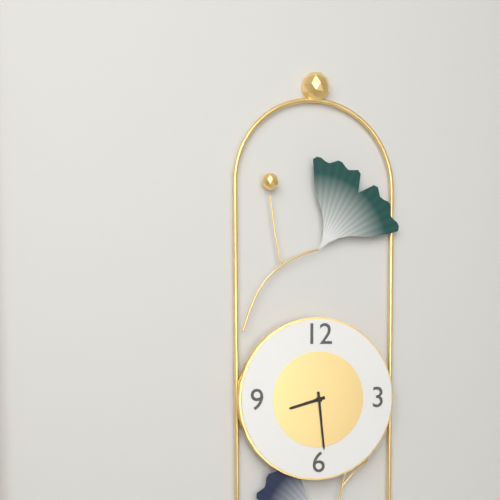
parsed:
8:29
